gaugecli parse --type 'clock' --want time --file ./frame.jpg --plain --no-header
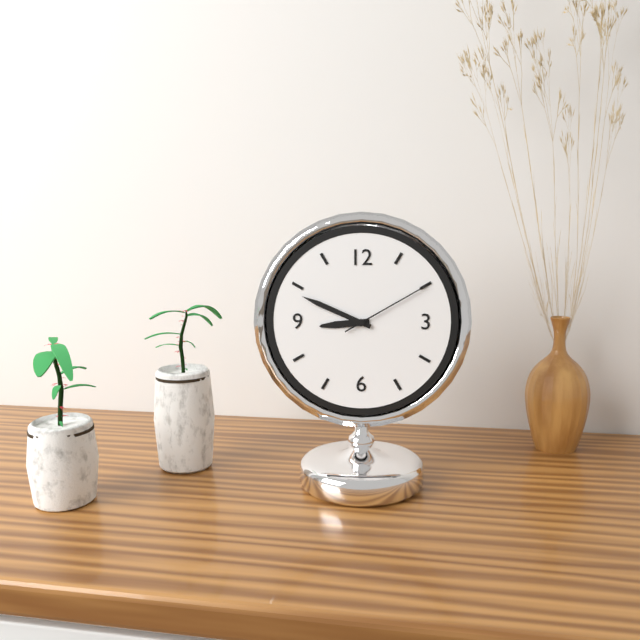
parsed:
8:49:10
